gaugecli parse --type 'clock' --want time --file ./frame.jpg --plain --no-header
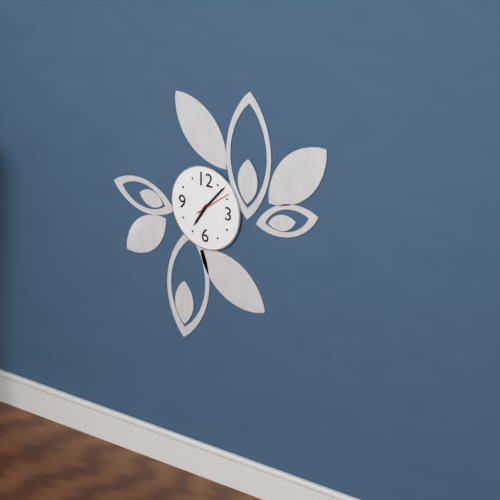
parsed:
7:07
